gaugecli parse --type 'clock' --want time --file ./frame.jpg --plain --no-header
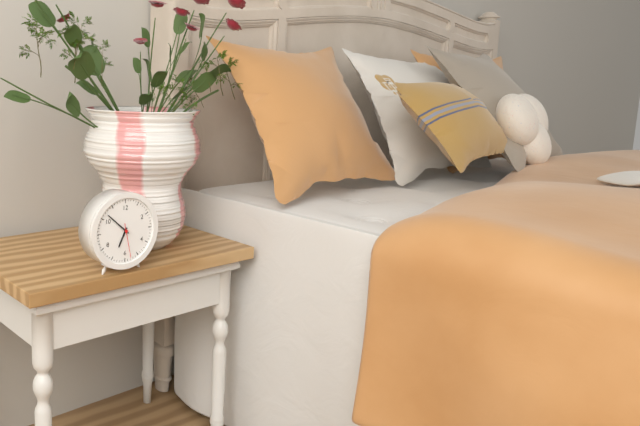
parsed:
6:52
